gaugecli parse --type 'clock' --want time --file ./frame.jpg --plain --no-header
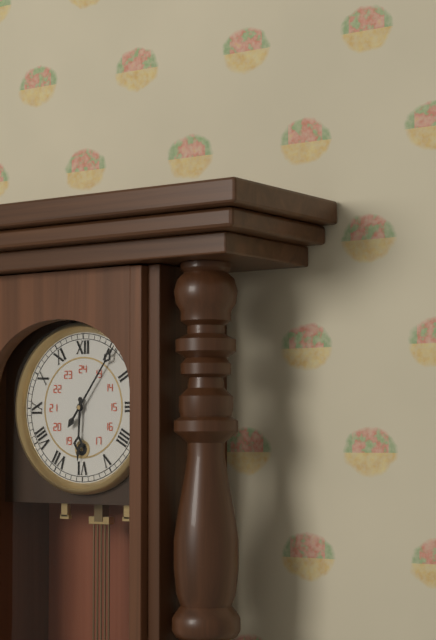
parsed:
6:06
